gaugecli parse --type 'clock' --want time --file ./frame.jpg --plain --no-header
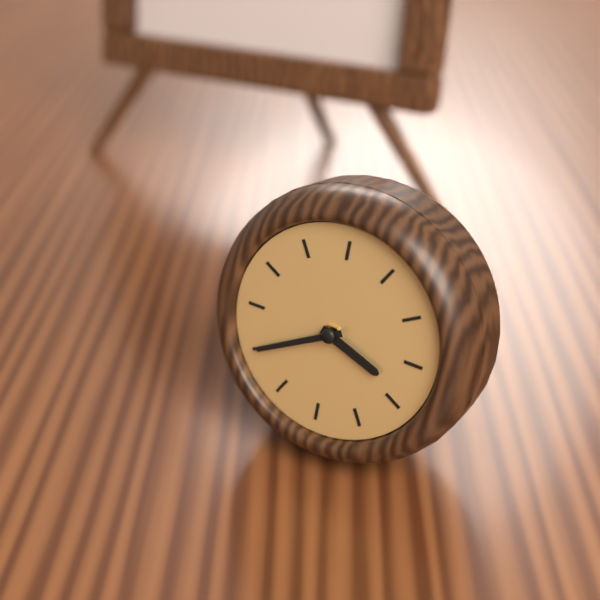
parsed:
3:40
